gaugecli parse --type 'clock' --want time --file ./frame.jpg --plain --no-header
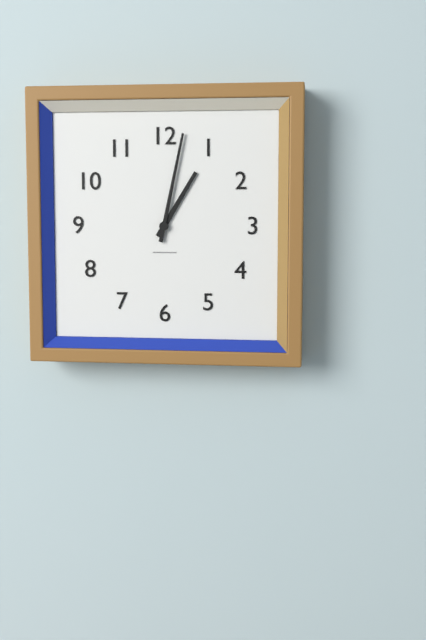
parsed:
1:02
